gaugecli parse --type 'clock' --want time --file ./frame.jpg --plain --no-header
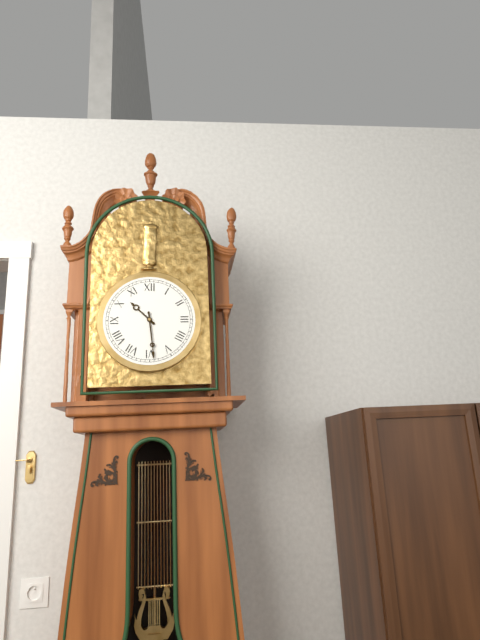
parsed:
10:29
